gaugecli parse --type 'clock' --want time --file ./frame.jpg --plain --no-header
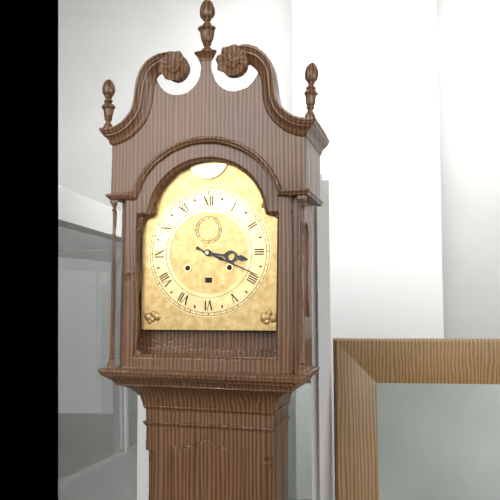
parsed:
3:19
